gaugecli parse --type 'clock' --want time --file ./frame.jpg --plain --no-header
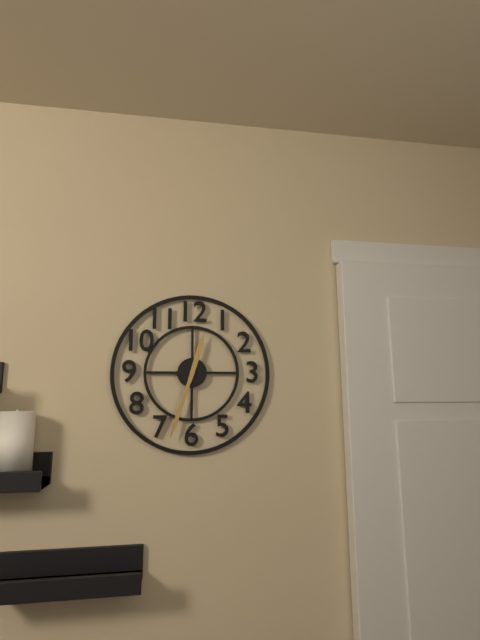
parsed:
12:33
